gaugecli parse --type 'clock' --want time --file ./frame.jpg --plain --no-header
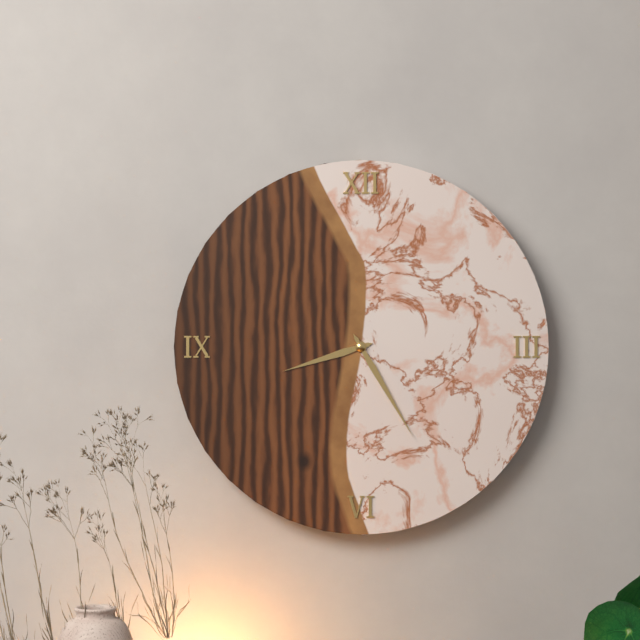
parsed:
8:25
